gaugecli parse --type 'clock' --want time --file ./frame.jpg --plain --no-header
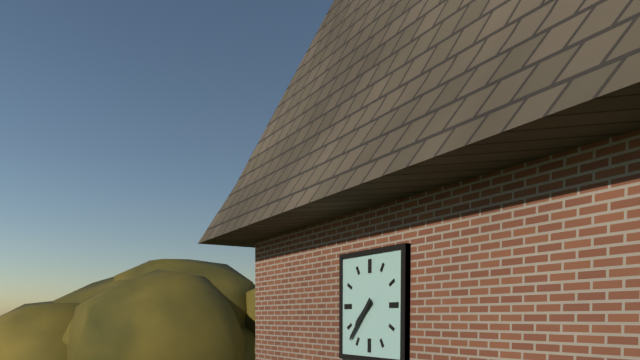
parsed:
7:37
